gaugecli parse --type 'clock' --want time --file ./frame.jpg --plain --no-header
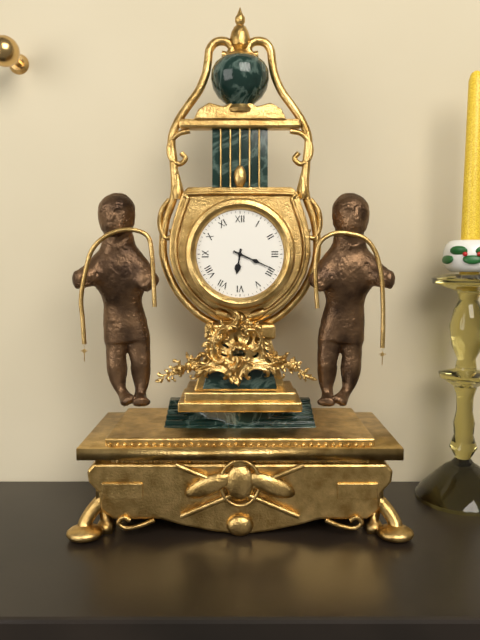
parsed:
6:19
